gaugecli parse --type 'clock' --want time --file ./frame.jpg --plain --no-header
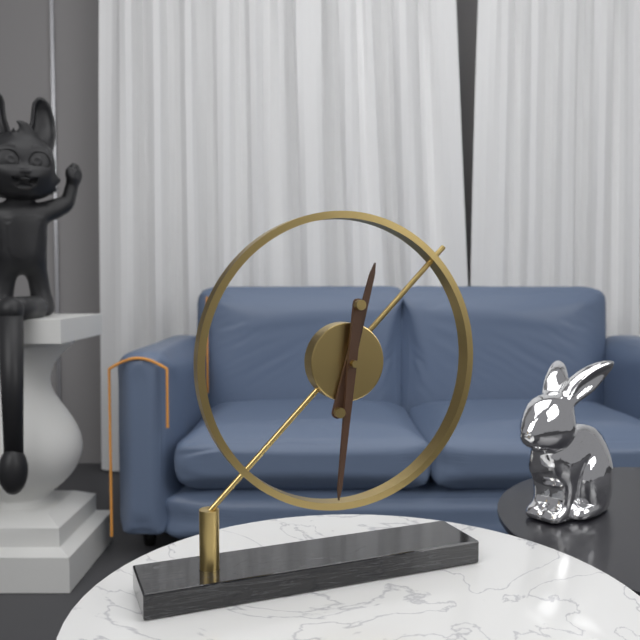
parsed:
12:31
